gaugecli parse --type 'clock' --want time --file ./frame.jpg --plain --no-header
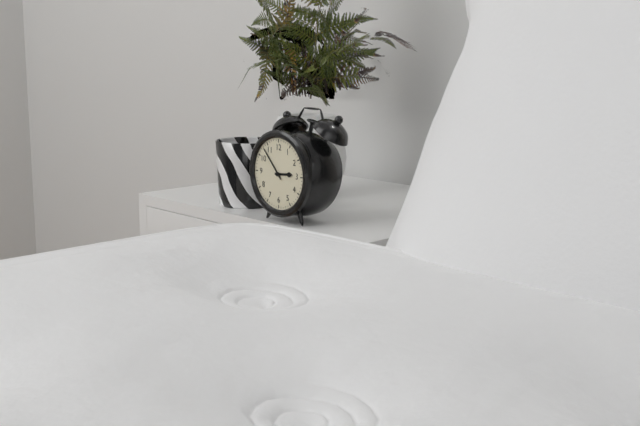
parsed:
2:53
